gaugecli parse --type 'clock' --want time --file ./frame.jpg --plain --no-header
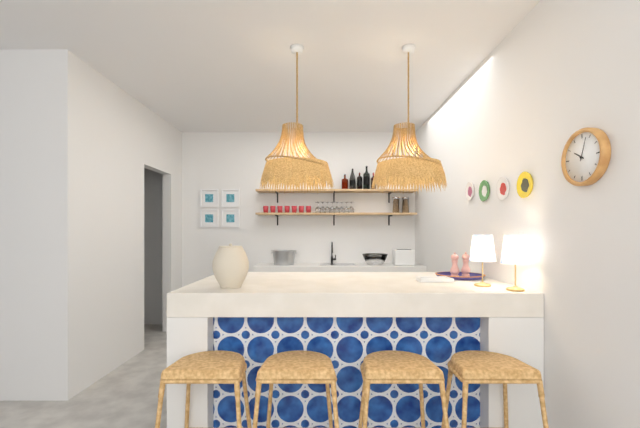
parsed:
10:03
